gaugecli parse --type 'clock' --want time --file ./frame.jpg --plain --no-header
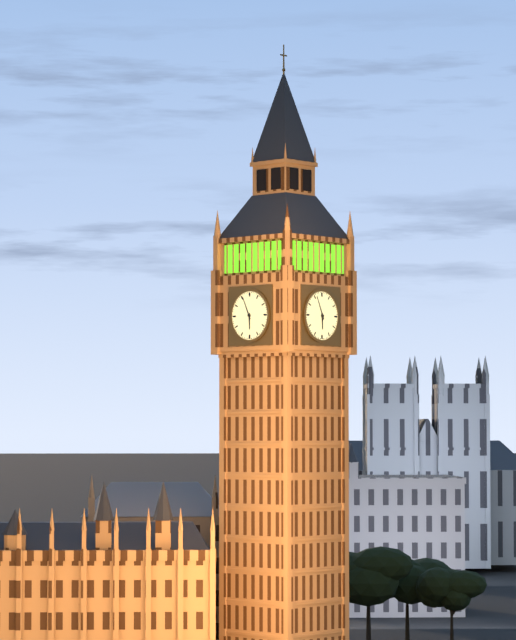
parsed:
5:56
